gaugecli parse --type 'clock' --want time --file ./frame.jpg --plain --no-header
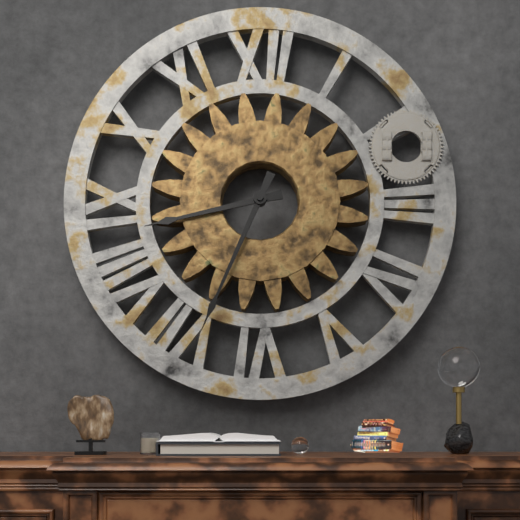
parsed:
8:34
